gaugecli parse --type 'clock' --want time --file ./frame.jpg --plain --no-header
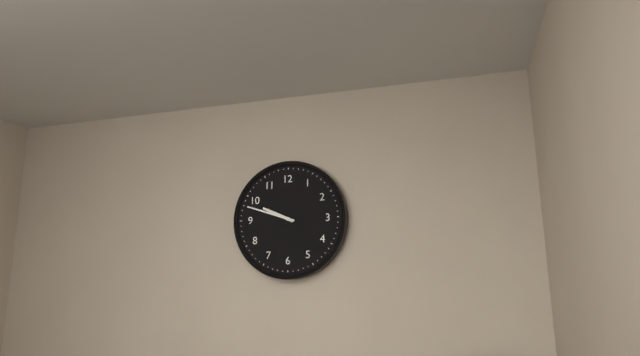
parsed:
9:48
